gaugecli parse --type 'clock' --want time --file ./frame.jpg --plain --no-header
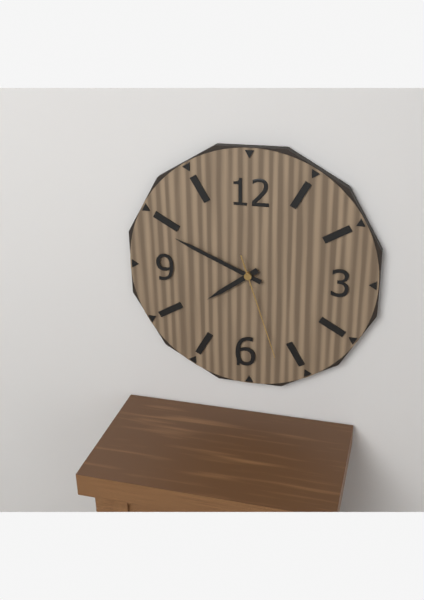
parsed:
7:49:27
